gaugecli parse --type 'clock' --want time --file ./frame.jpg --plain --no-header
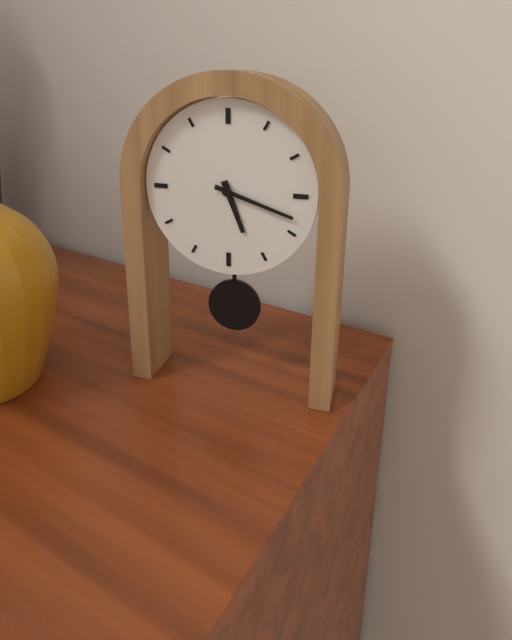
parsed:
5:18
